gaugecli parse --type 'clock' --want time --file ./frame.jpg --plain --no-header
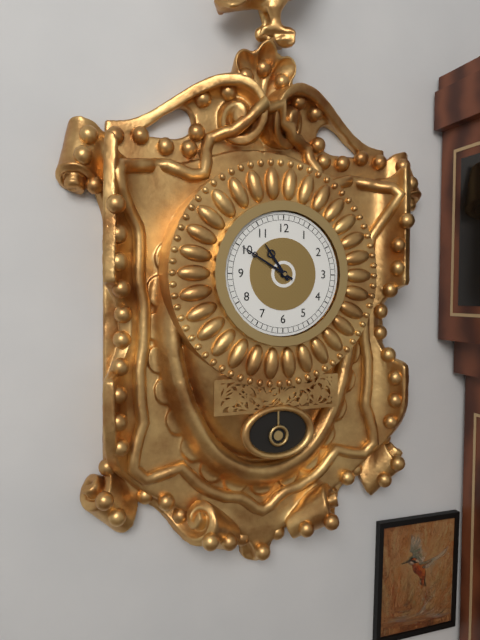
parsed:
10:50
